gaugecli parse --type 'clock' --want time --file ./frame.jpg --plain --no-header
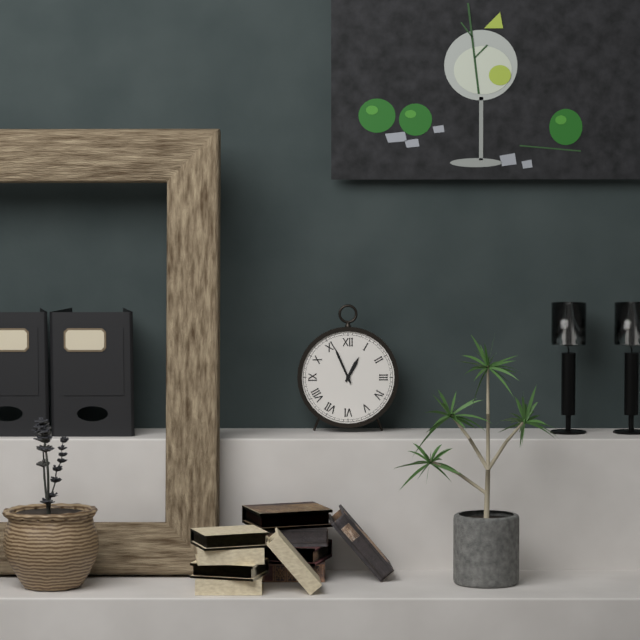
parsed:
12:56
